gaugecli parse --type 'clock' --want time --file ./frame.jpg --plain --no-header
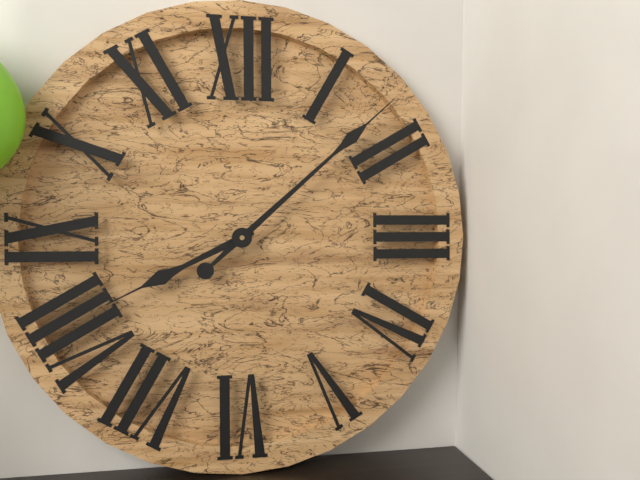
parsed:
8:08
